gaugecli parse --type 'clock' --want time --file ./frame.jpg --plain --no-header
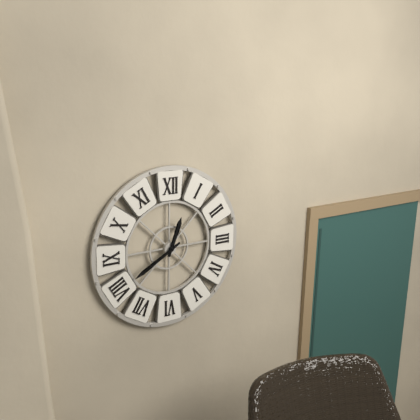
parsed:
12:40
